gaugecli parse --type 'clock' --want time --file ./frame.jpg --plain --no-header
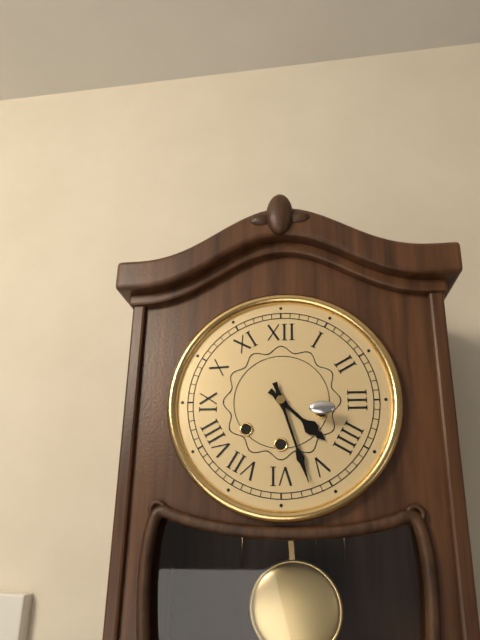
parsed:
4:27
